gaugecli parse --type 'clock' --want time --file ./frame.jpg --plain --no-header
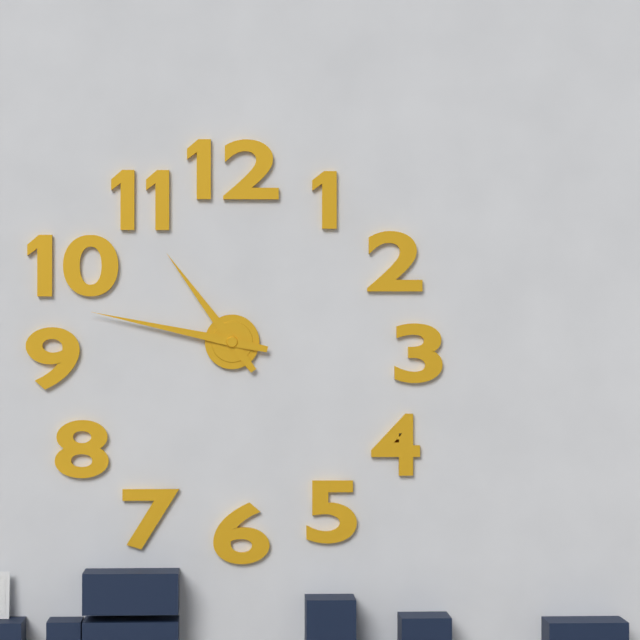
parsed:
10:47
